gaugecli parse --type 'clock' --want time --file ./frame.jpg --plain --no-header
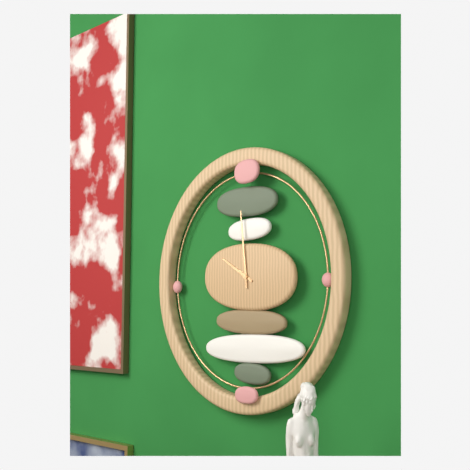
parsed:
9:59
